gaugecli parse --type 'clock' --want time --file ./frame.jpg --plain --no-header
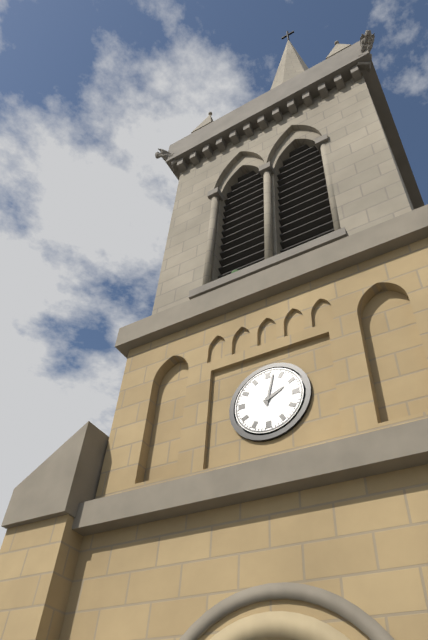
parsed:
2:02
